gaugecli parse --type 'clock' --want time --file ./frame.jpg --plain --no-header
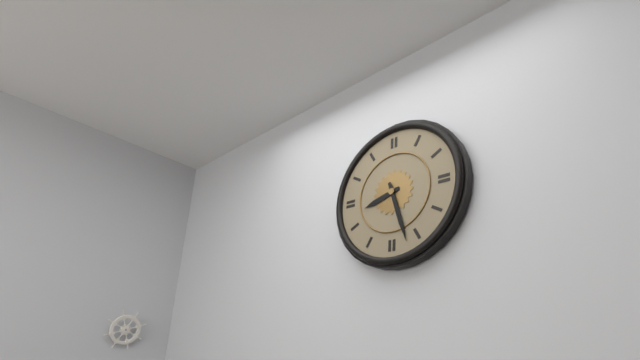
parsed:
8:27
